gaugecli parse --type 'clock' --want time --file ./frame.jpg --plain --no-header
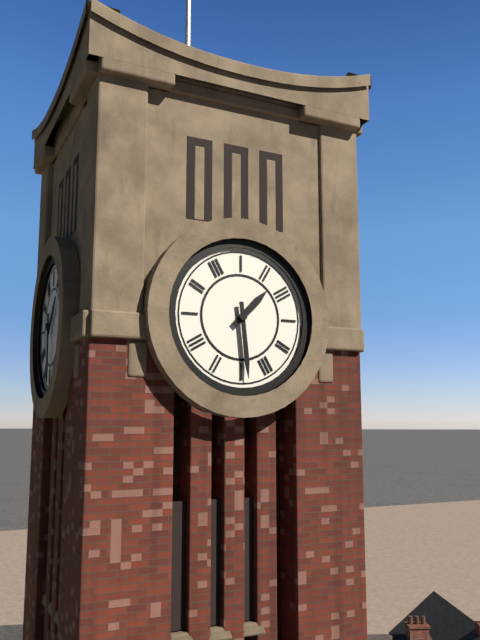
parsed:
1:29
